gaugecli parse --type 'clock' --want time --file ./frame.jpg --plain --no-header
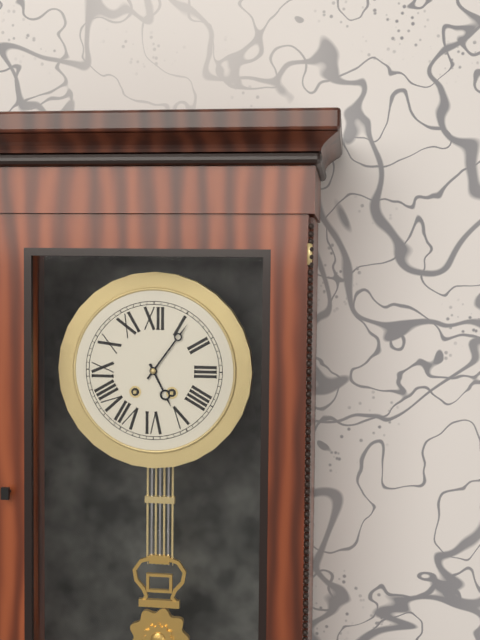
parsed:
5:06
